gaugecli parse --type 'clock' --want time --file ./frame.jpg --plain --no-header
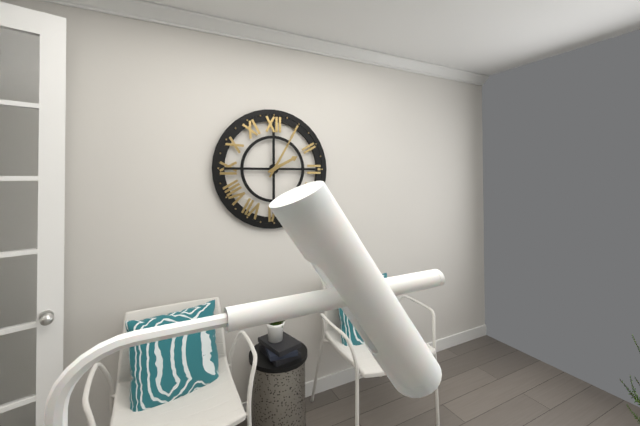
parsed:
2:05
